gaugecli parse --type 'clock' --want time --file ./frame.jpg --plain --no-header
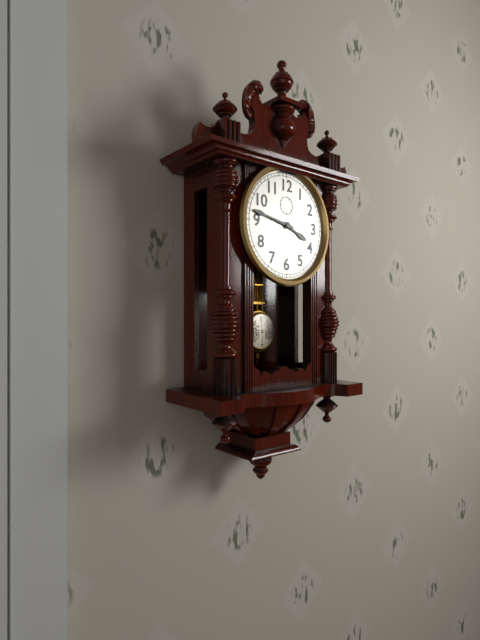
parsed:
3:47
